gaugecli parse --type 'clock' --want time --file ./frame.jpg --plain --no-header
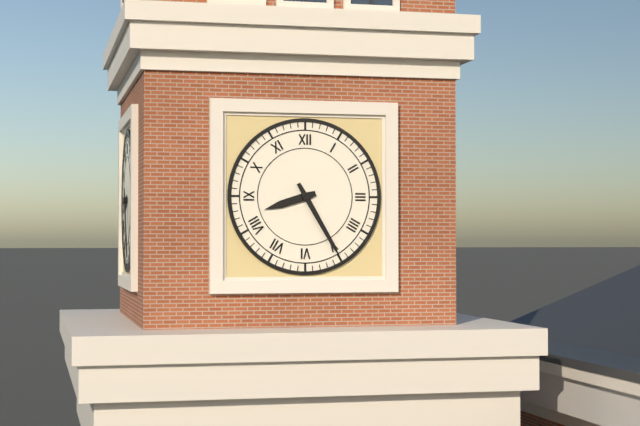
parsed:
8:25
